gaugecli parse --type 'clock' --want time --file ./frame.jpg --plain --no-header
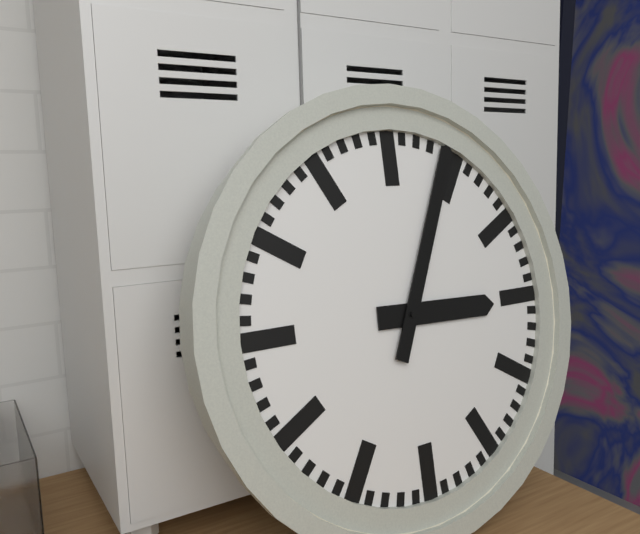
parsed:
3:04
